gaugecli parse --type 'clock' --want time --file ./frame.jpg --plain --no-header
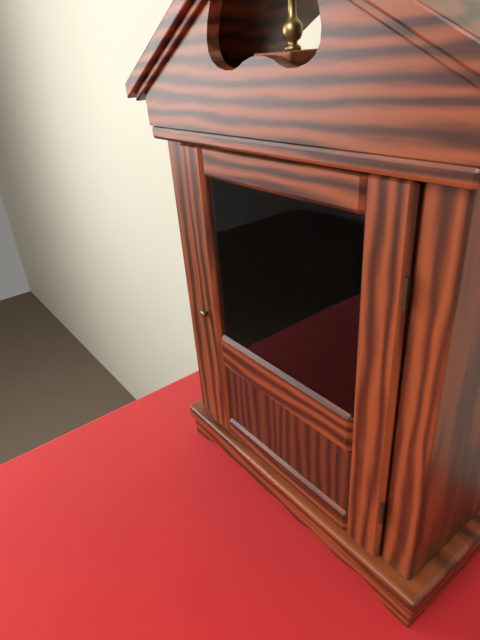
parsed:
9:06
